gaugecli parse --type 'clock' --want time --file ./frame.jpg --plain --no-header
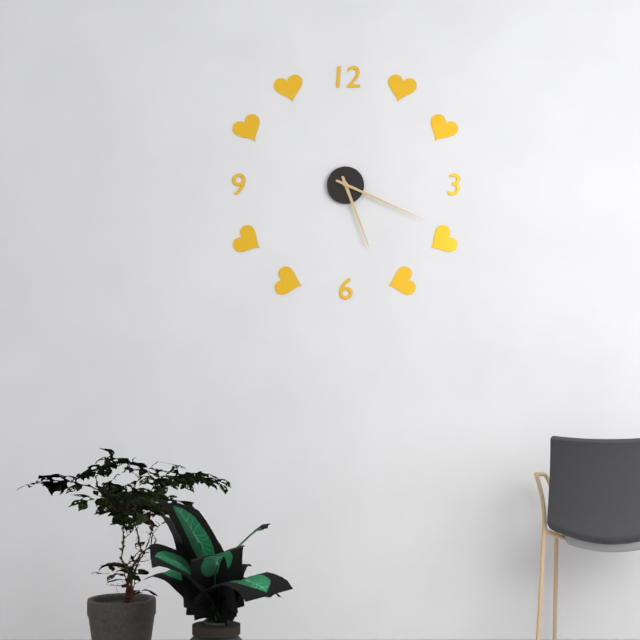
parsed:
5:19
